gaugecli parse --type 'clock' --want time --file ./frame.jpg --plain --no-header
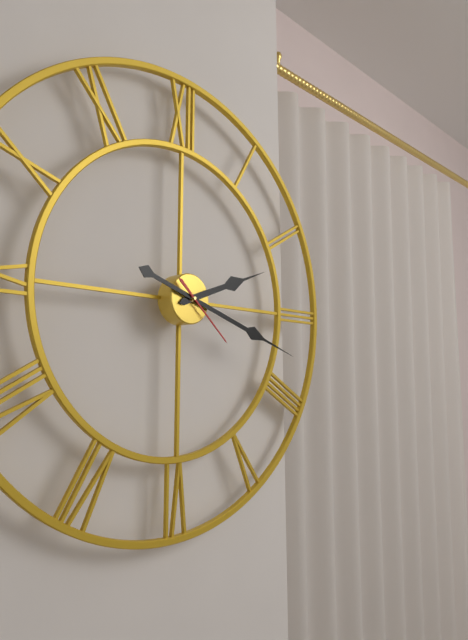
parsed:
2:18:22
